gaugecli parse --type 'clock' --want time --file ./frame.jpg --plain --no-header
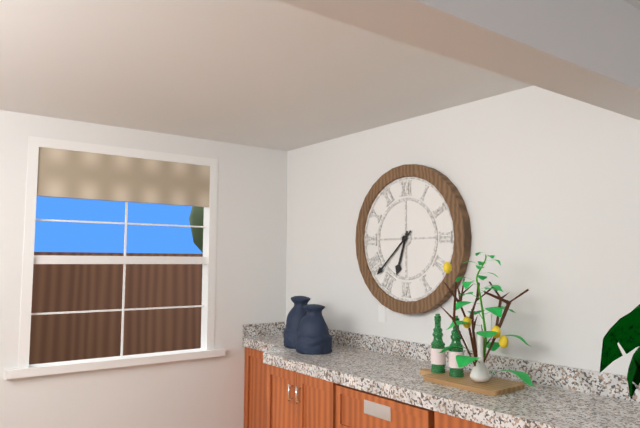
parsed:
6:38
